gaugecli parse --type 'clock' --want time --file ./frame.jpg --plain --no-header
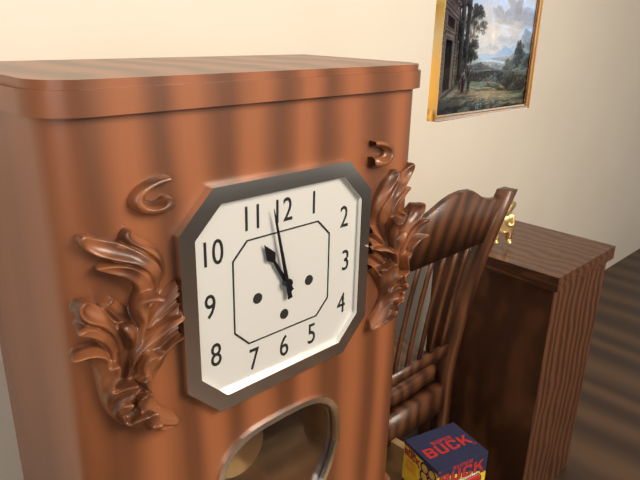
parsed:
10:58
